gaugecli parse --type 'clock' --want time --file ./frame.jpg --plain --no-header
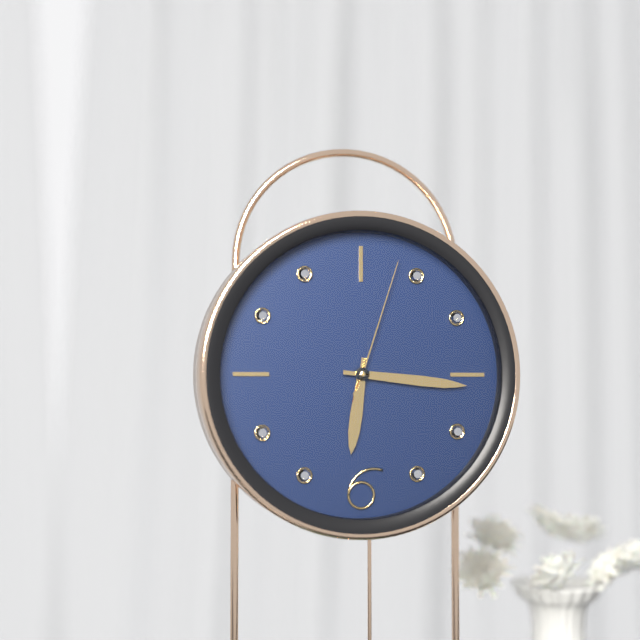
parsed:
6:16:03
